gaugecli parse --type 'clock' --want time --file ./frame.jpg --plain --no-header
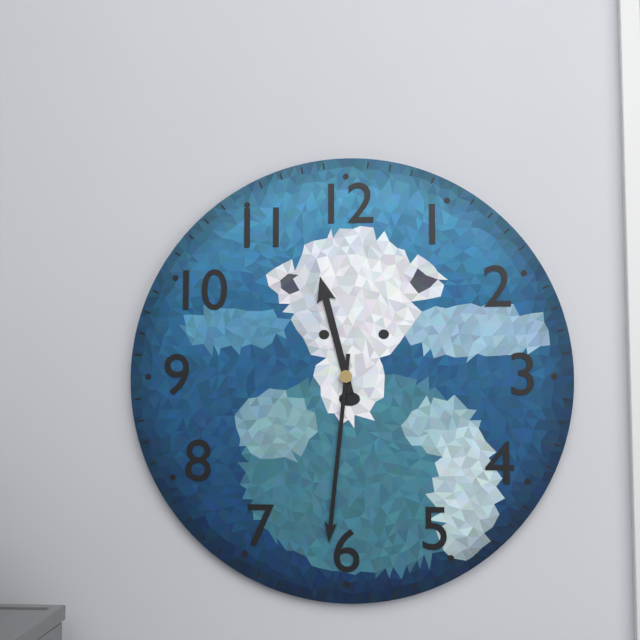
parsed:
11:31
